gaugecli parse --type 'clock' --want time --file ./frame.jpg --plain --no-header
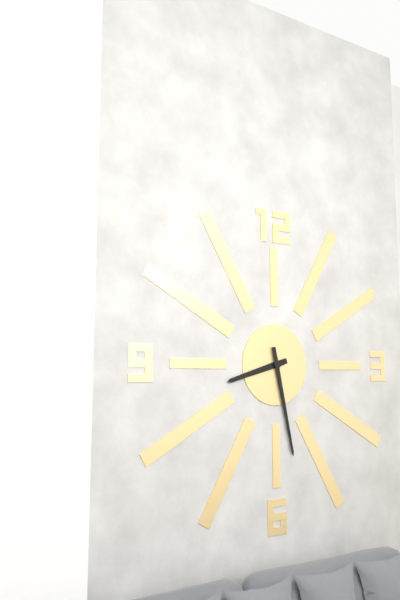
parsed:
8:28
